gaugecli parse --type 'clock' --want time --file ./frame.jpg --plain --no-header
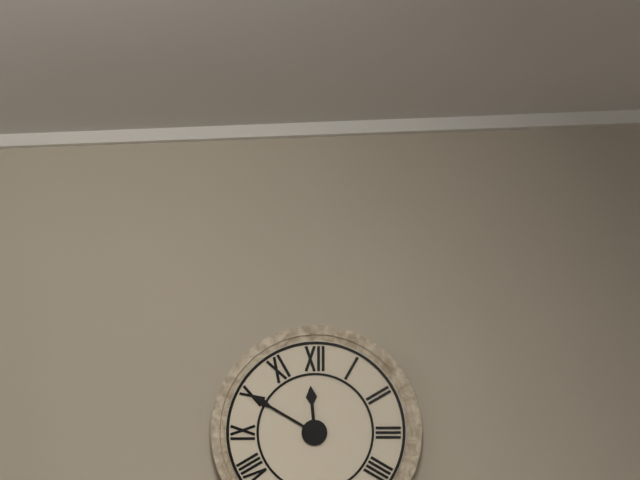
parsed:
11:50
